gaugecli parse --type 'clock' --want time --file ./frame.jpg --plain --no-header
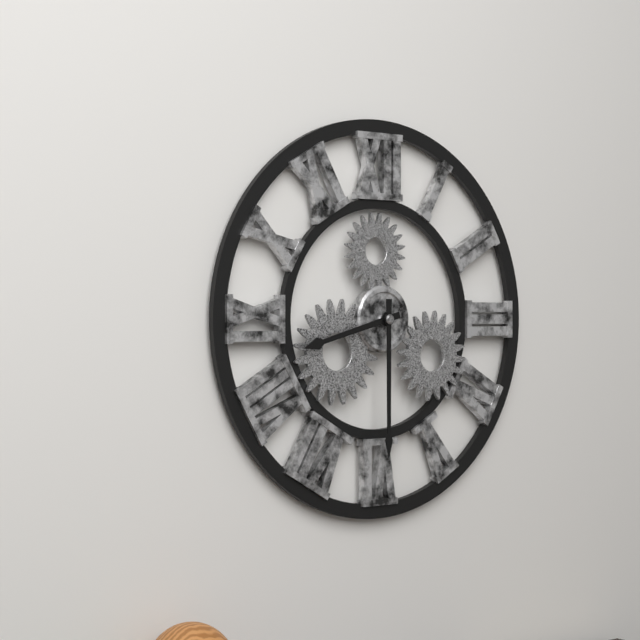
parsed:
8:30
